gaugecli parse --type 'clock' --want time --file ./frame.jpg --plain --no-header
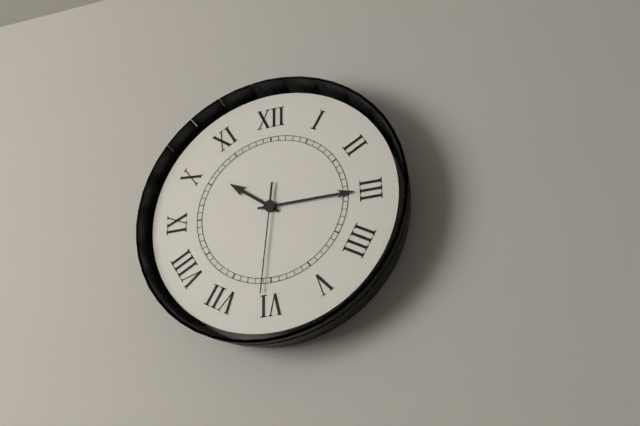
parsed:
10:15:31
